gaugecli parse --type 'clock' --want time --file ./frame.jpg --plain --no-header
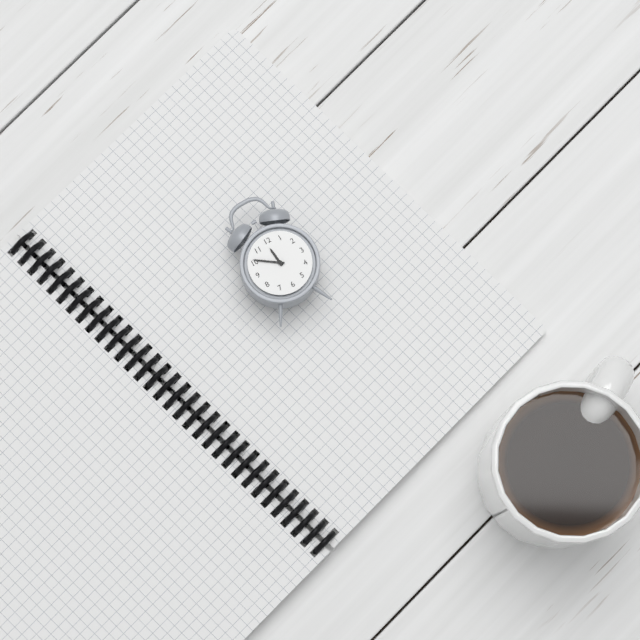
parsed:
11:51
